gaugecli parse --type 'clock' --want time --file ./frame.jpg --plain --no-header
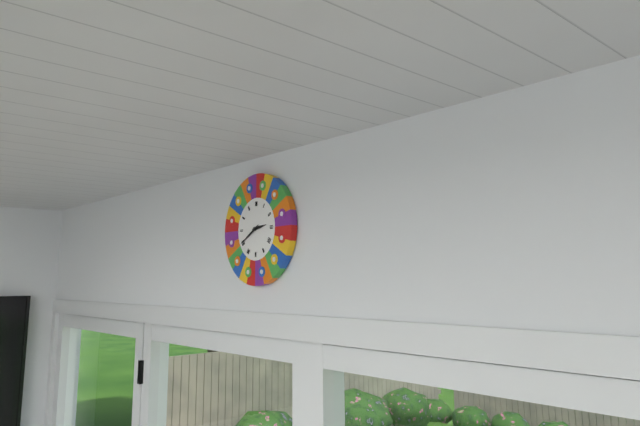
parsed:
2:40
